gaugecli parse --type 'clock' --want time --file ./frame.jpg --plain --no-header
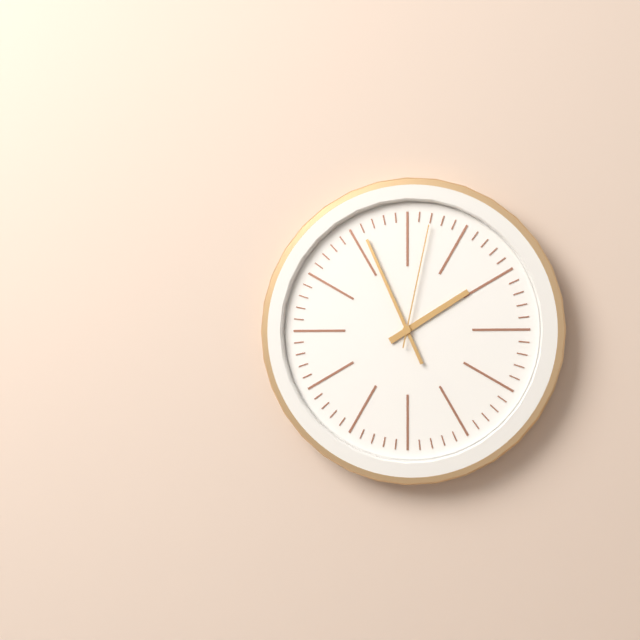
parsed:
1:56:02
